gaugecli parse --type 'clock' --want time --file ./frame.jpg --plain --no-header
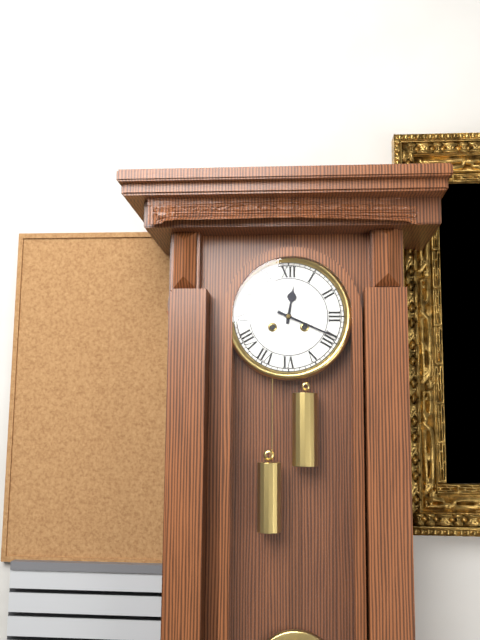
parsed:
12:19
